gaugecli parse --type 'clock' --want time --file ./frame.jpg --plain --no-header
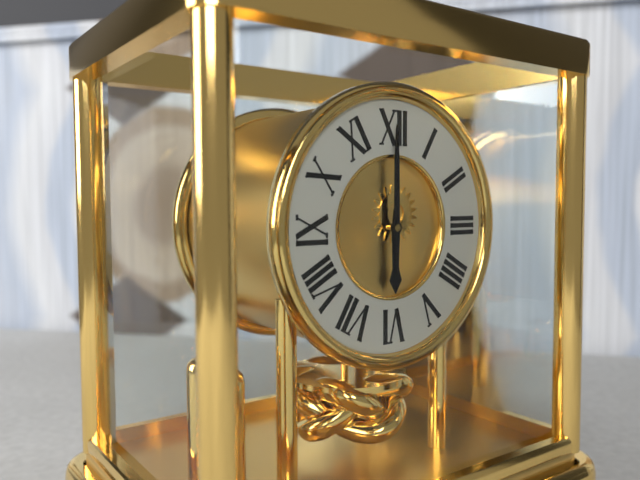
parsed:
6:00
